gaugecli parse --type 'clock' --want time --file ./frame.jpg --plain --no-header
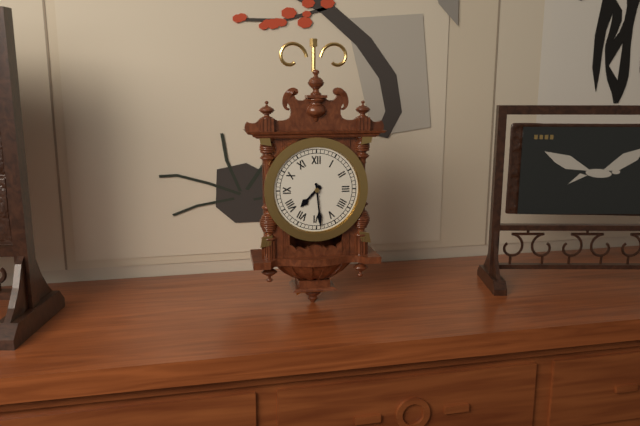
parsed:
7:29
